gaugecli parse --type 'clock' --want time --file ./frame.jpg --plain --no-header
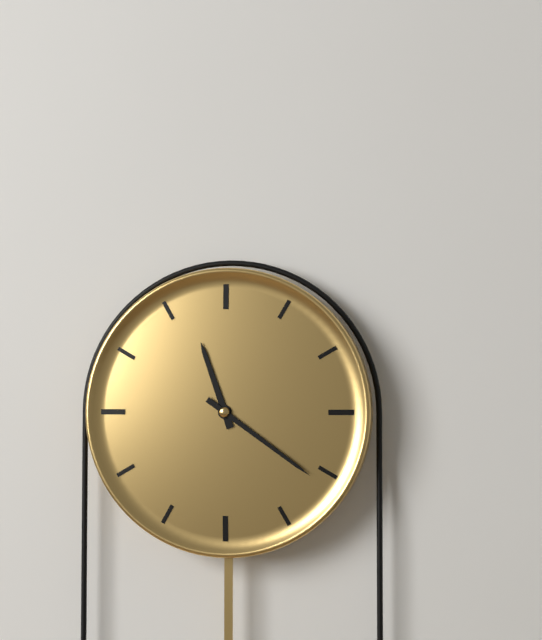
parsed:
11:21
